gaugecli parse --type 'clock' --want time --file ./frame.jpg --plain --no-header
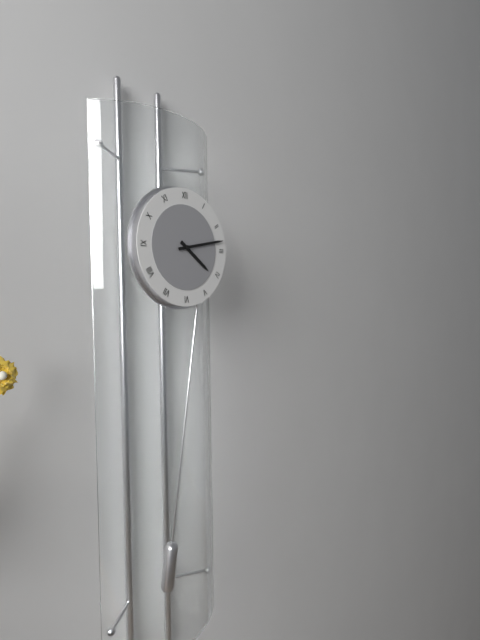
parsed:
4:13
